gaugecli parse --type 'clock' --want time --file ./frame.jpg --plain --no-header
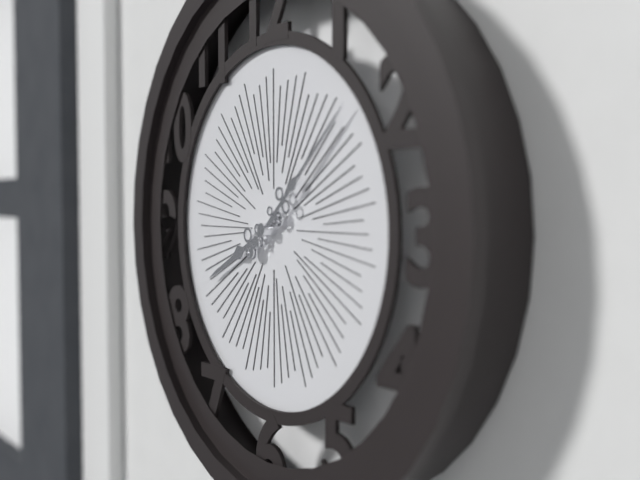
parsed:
8:08
